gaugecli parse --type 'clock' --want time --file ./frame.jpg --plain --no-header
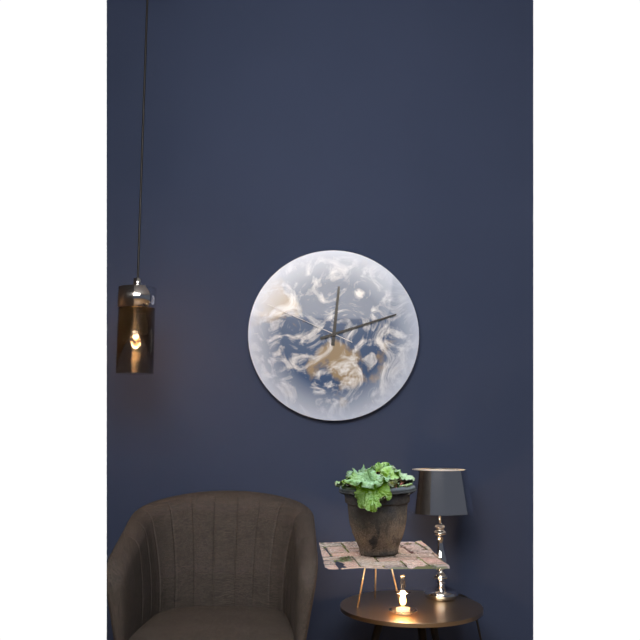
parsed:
12:12:49
